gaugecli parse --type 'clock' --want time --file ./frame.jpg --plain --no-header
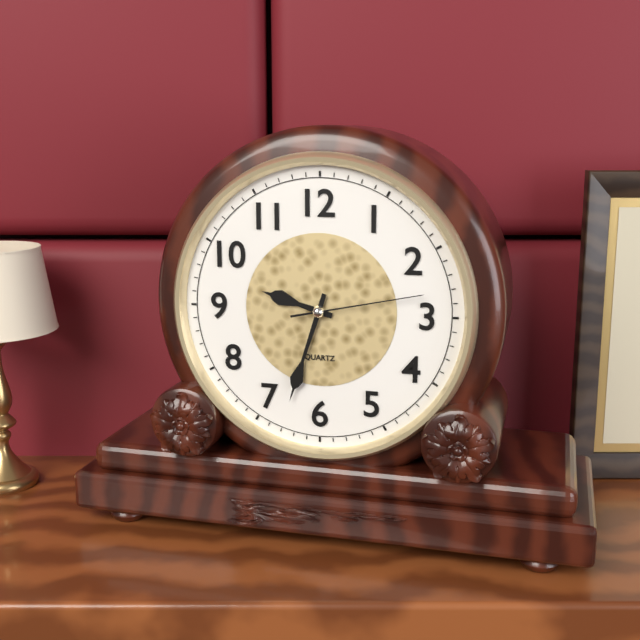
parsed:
9:33:13
